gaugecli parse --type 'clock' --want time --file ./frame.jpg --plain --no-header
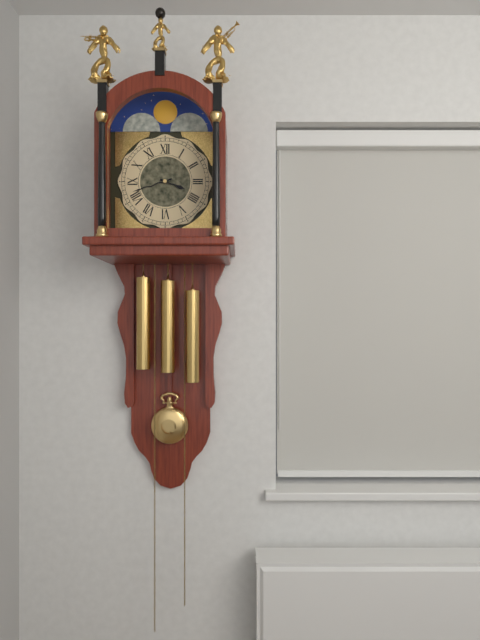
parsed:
3:42
